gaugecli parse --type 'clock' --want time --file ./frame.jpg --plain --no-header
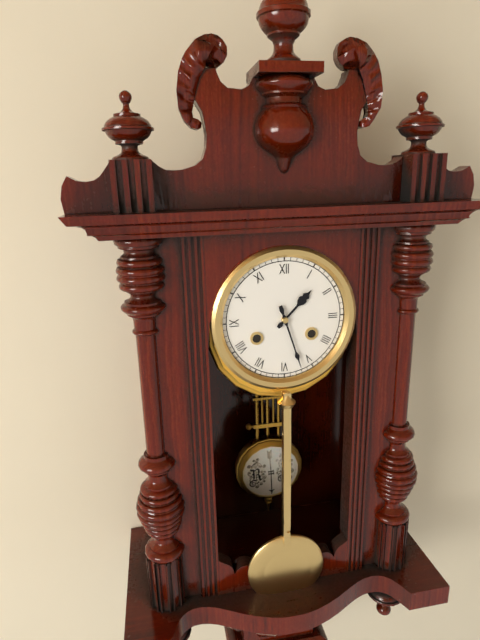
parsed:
1:27
